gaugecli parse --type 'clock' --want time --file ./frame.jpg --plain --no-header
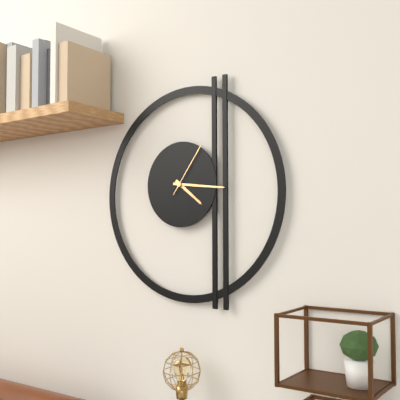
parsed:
4:16:06
